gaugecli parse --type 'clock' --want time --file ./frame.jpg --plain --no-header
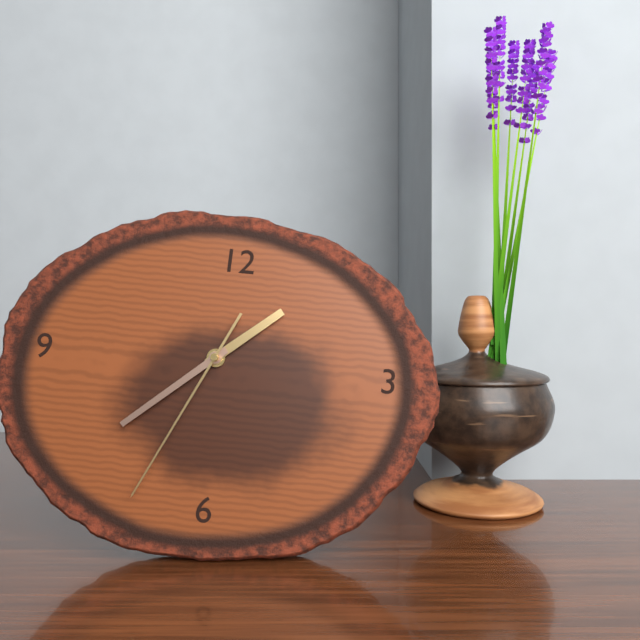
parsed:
1:38:34
